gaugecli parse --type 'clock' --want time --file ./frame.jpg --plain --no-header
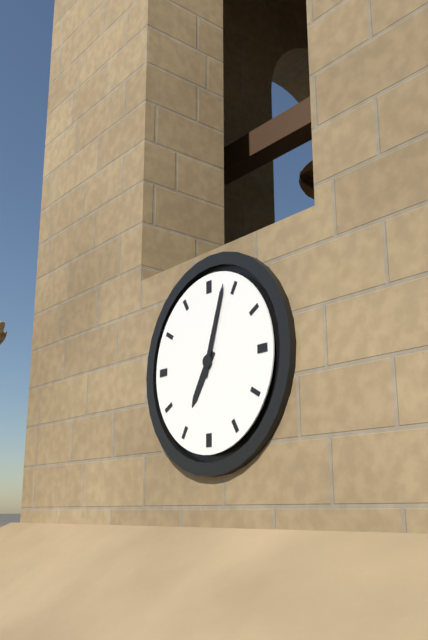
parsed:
7:03
